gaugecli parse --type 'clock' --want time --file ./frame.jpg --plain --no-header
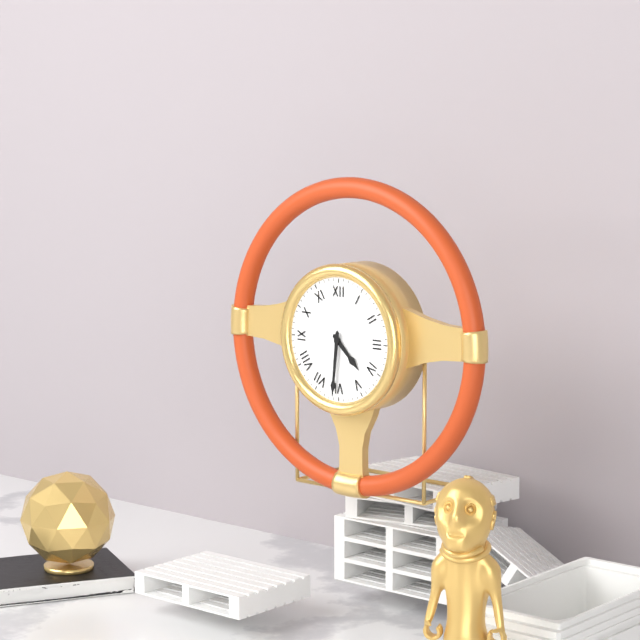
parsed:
4:31
